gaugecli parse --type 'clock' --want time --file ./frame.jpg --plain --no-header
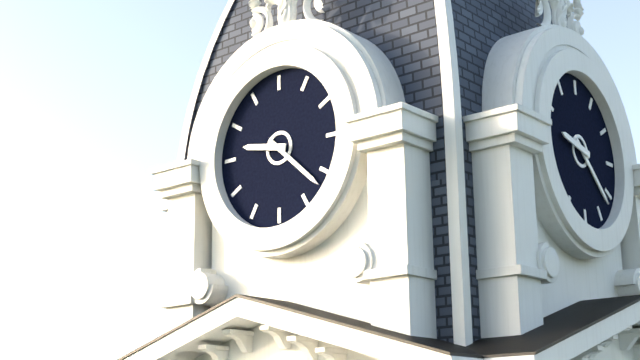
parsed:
9:22
